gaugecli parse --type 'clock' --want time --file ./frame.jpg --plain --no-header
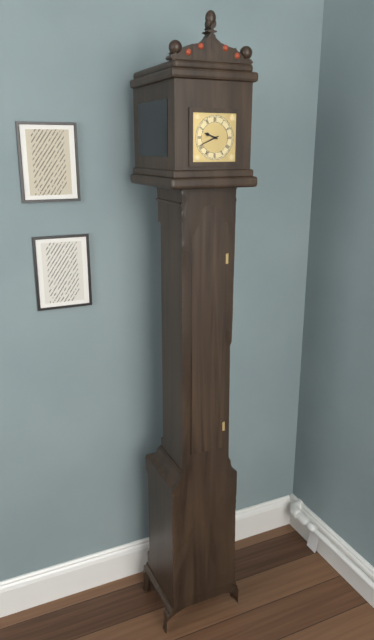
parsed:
9:41
